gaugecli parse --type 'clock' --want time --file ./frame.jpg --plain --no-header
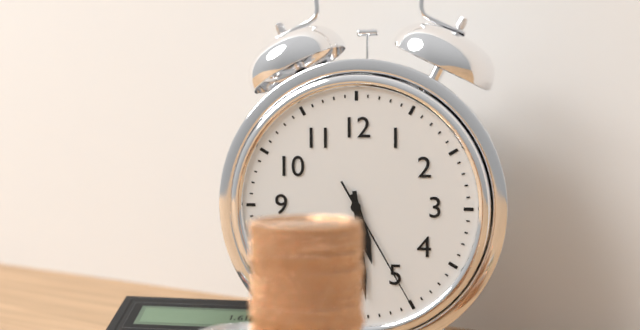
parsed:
5:29:25
